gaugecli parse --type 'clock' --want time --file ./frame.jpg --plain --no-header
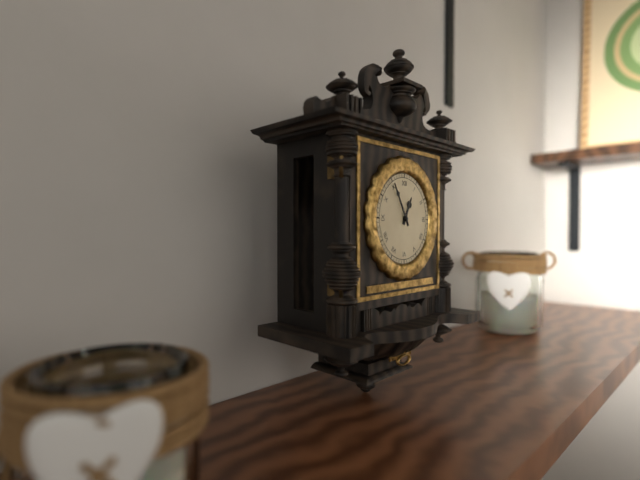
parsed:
12:55
